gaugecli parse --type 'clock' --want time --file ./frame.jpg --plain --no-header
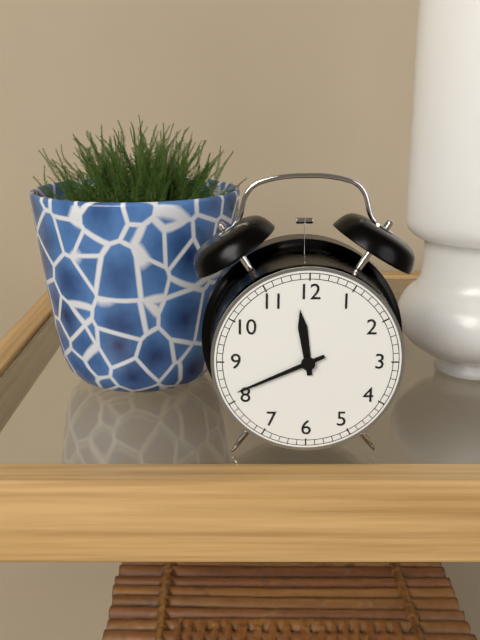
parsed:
11:41
